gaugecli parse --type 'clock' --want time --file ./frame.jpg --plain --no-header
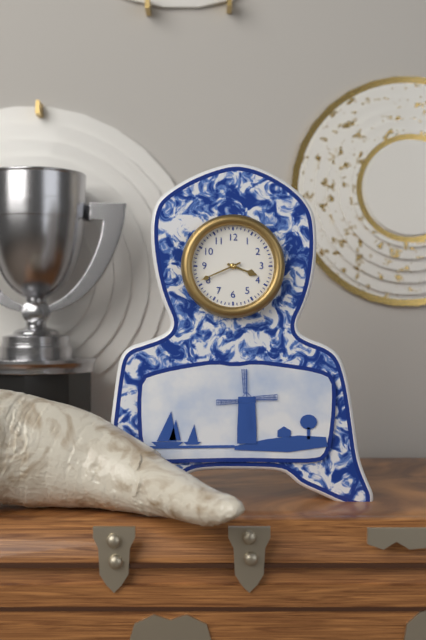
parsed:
3:41
